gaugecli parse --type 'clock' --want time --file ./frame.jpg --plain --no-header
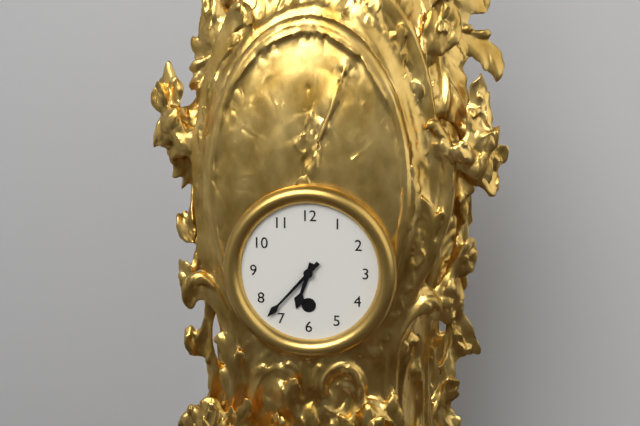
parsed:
6:37
